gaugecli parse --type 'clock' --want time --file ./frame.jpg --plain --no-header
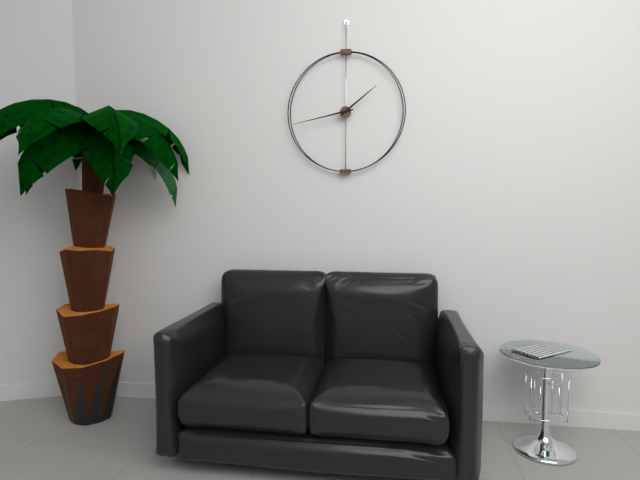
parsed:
1:43
